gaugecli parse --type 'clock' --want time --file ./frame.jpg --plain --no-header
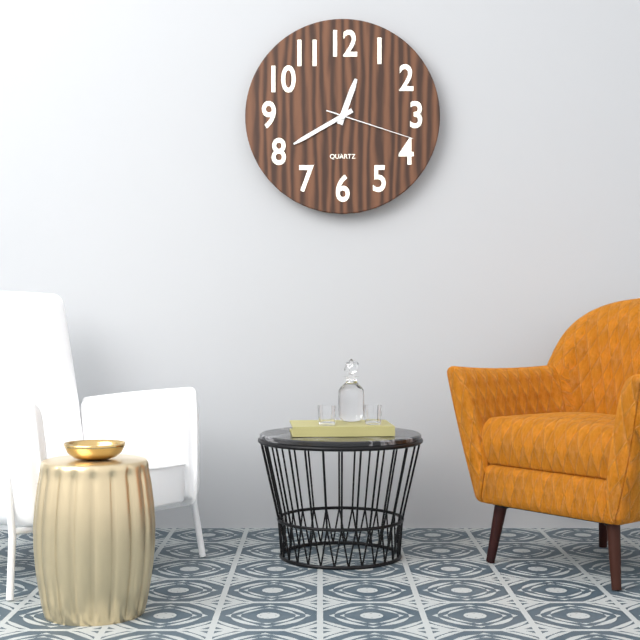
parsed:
12:40:18
